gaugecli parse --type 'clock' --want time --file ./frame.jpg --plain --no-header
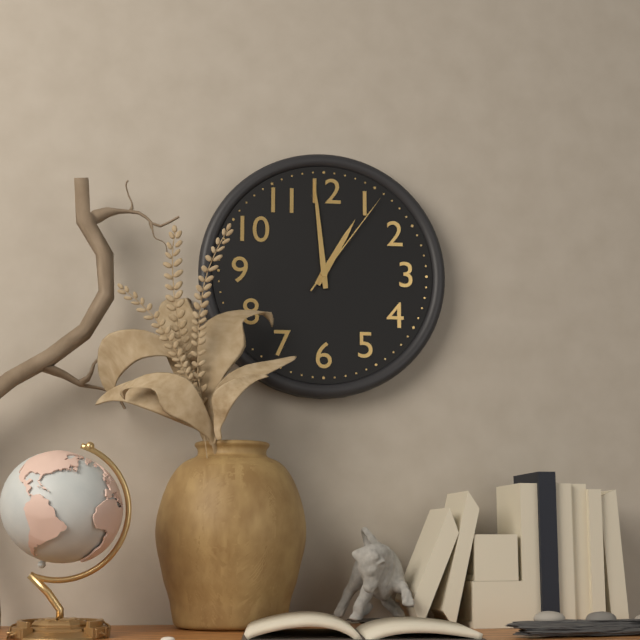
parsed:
12:59:06
